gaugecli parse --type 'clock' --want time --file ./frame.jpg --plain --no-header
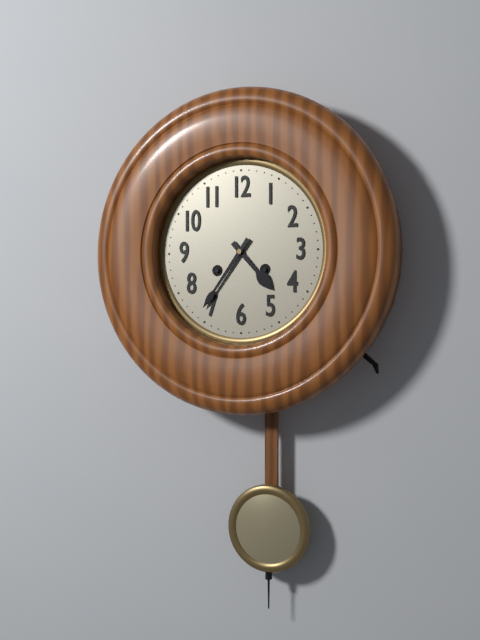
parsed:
4:36
